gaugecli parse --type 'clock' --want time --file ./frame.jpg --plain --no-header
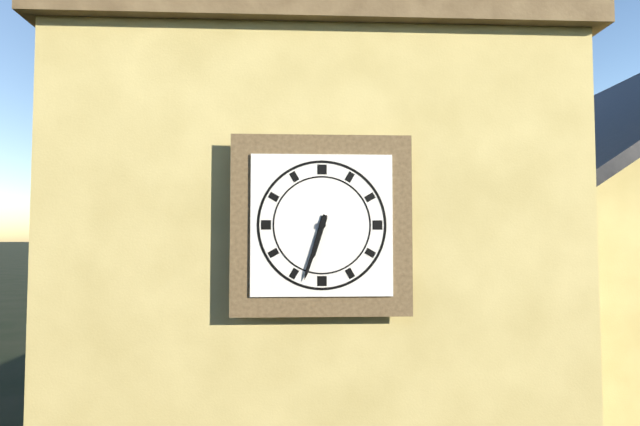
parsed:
6:33
